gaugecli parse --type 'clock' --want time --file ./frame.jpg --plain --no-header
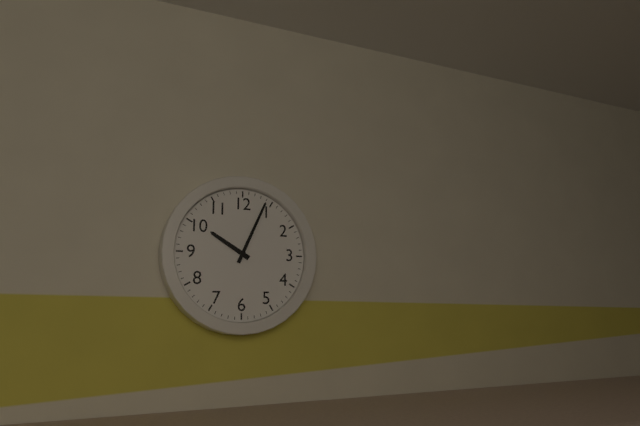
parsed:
10:04
